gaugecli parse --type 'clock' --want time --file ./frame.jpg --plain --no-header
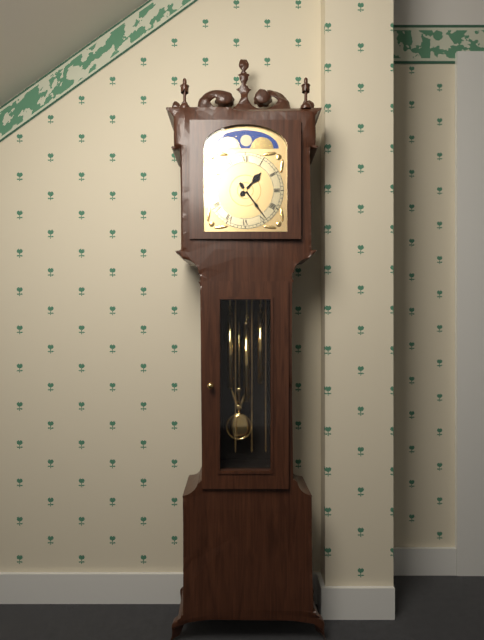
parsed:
1:24
